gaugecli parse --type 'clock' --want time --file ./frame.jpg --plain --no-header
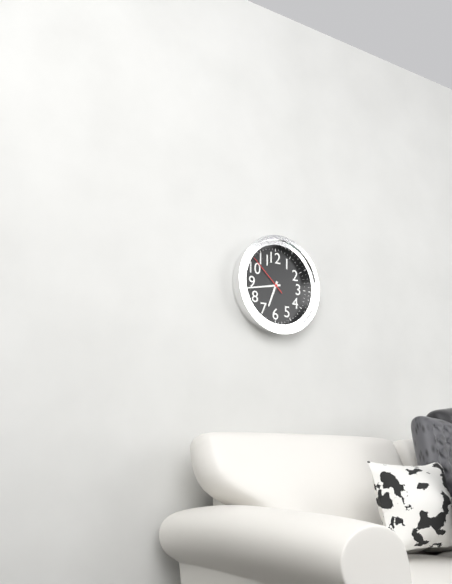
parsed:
6:43
